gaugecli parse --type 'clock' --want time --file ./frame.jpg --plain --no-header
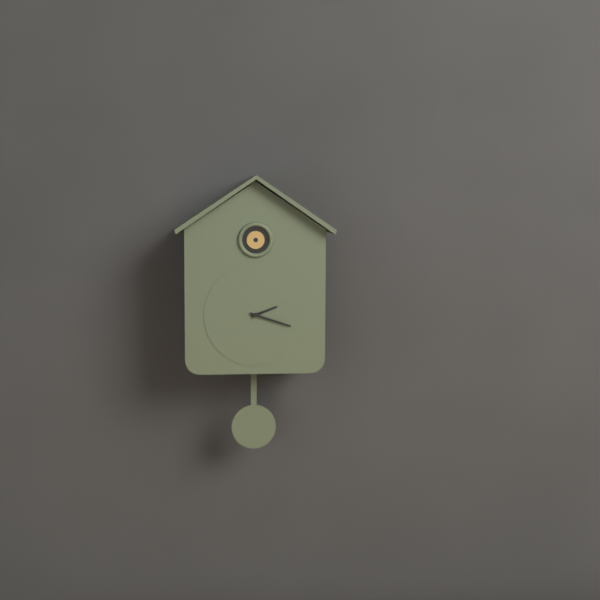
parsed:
2:18
